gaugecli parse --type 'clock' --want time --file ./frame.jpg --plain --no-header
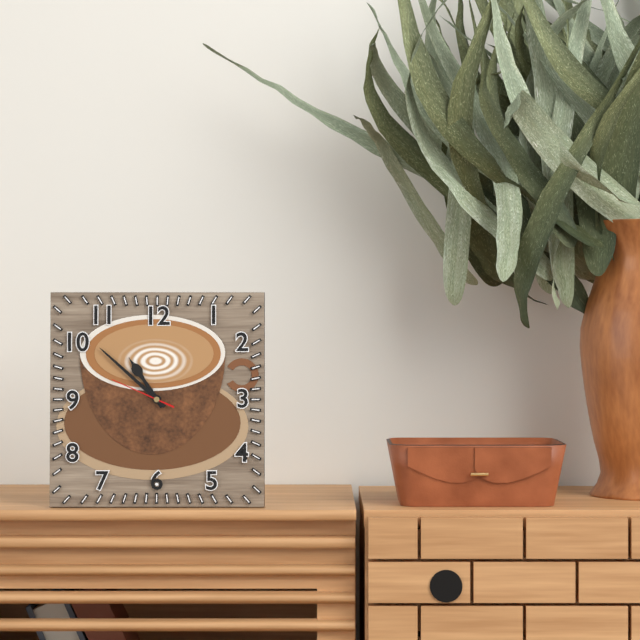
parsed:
10:52:49
